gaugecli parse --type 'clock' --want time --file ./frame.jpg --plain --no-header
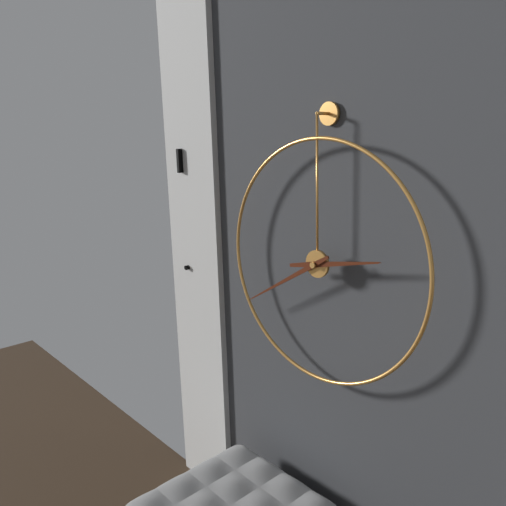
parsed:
2:40
